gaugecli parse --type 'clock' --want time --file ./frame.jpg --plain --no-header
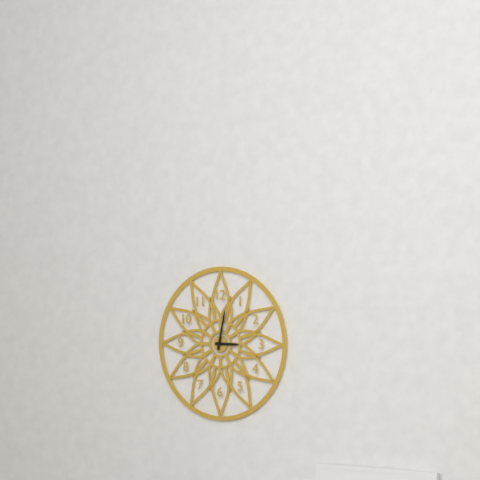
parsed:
3:02
